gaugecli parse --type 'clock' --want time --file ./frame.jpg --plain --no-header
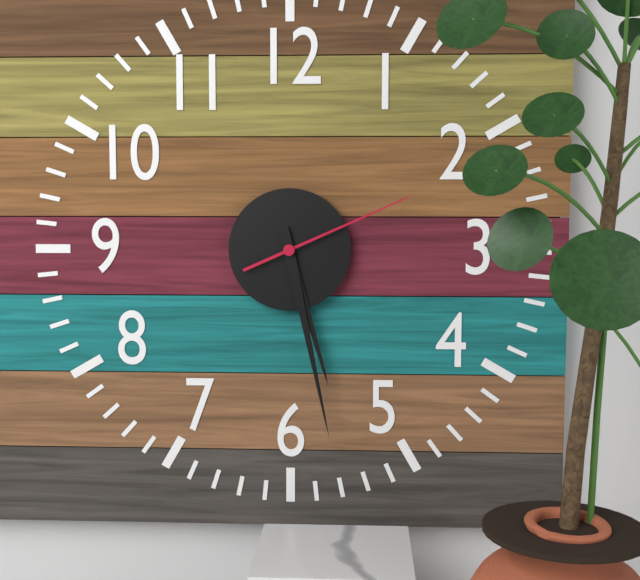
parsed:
5:28:11
